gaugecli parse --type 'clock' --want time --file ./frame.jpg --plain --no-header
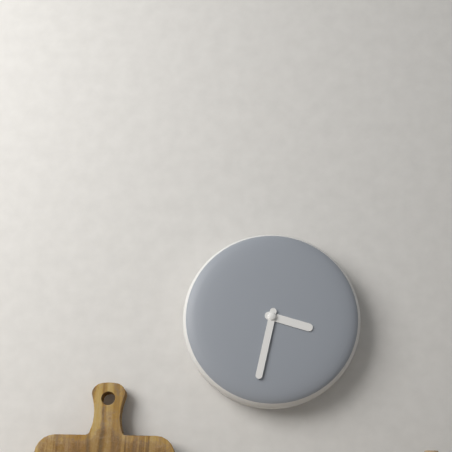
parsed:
3:32
